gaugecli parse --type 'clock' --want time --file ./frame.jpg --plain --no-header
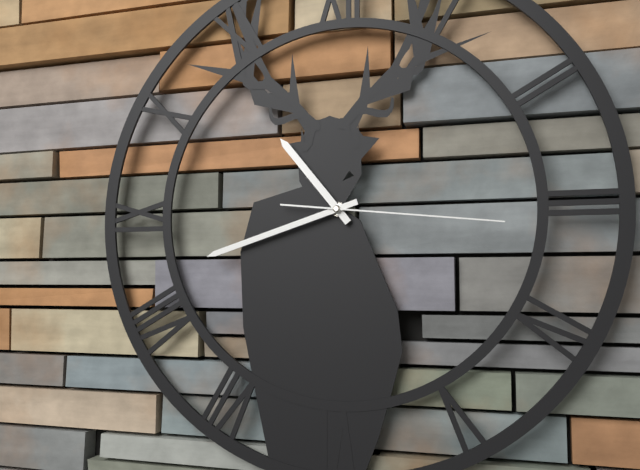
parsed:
10:42:16
